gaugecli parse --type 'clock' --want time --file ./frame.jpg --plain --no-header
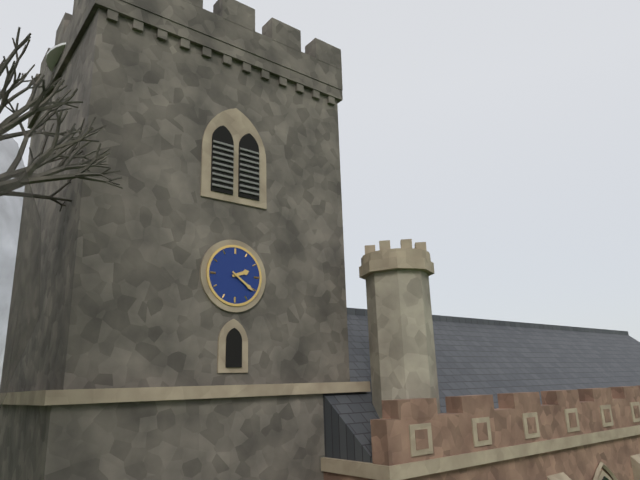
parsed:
2:21
